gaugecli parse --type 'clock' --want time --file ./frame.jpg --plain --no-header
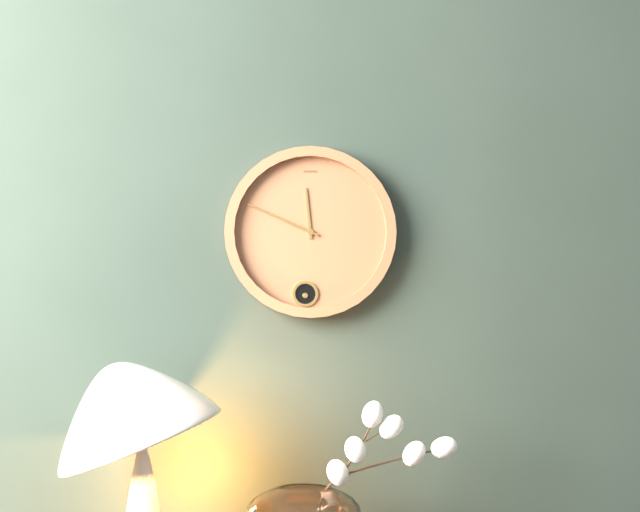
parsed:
11:49
